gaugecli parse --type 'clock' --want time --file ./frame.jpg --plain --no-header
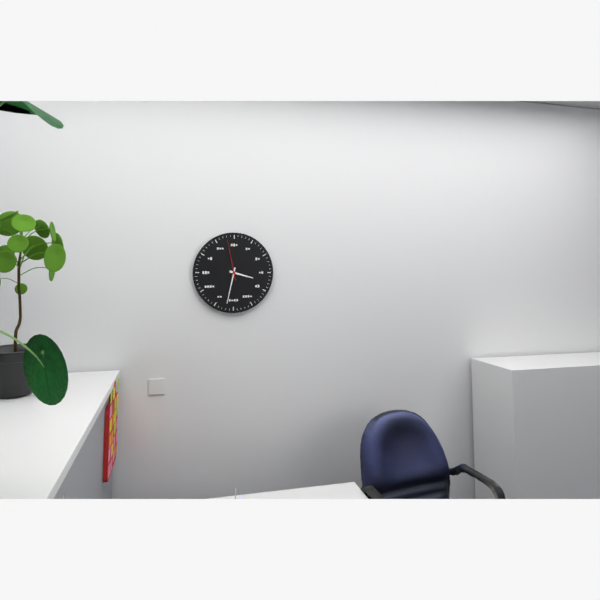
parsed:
3:32
